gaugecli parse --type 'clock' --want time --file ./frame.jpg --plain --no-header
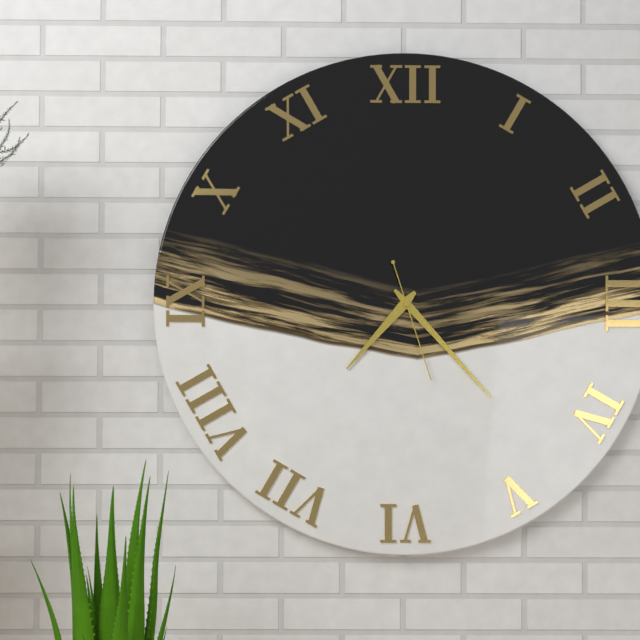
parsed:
7:23:27
